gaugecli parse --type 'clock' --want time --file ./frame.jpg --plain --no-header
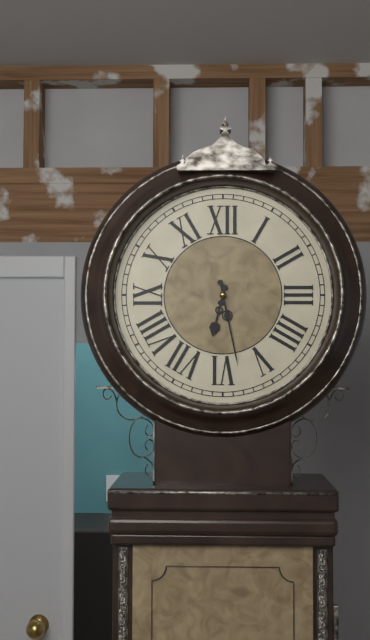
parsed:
6:28
